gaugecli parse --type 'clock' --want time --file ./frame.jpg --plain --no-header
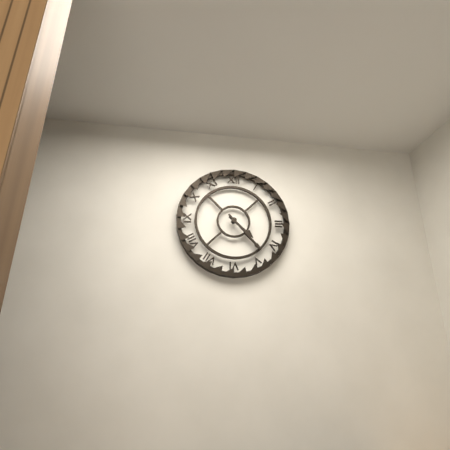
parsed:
4:23
